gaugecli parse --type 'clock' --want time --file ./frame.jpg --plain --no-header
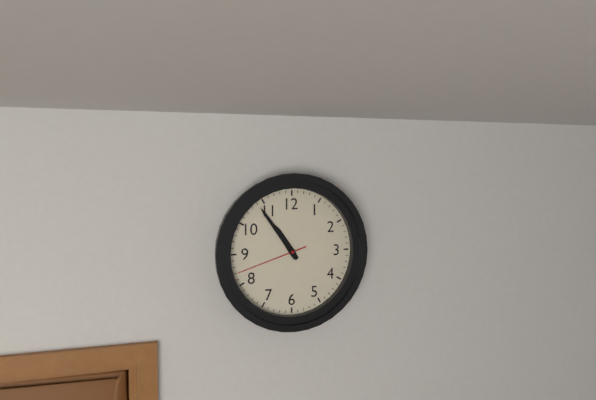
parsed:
10:54:42
